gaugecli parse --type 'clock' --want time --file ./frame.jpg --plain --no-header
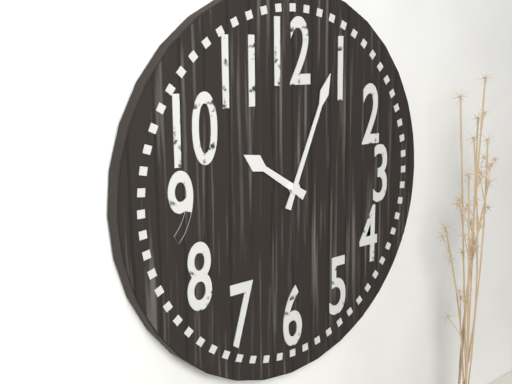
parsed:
10:04
